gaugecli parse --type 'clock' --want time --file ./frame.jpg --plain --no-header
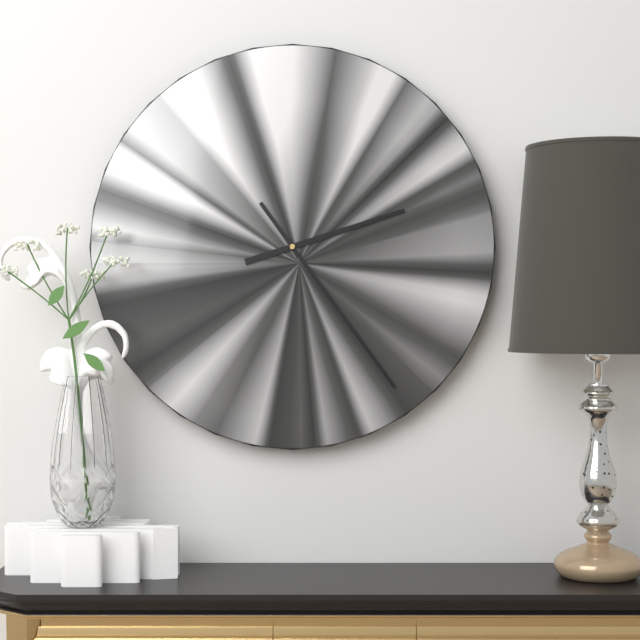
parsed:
2:24
